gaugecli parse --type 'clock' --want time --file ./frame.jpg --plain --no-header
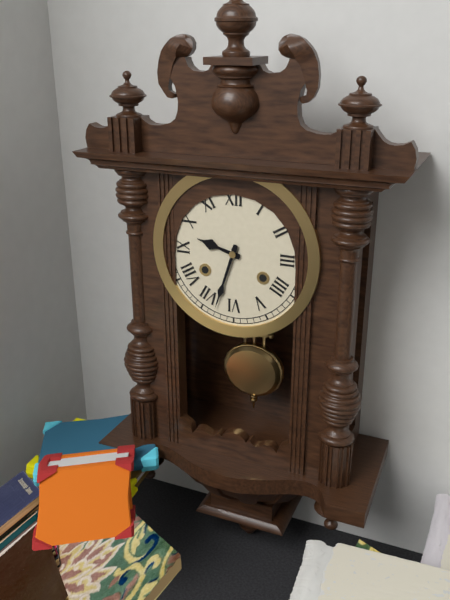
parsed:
9:33
